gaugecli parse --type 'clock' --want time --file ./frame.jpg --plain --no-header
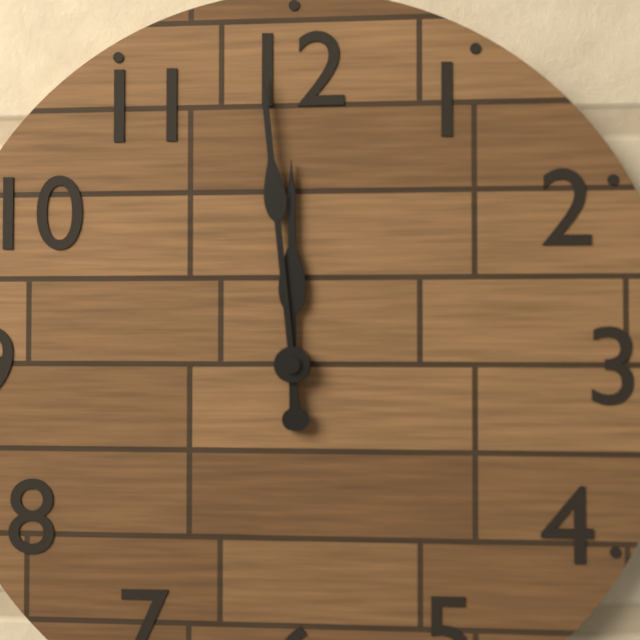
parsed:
11:59
